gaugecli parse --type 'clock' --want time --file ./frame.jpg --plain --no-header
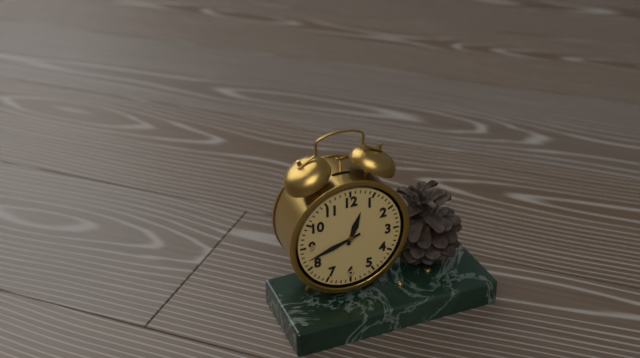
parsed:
12:42
